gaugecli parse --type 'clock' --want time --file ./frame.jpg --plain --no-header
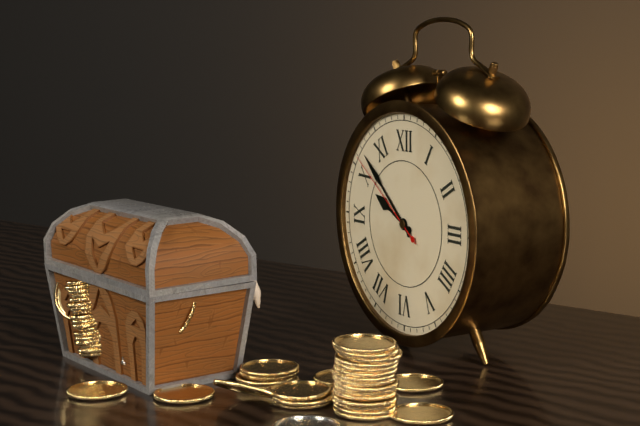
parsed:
9:52:51
